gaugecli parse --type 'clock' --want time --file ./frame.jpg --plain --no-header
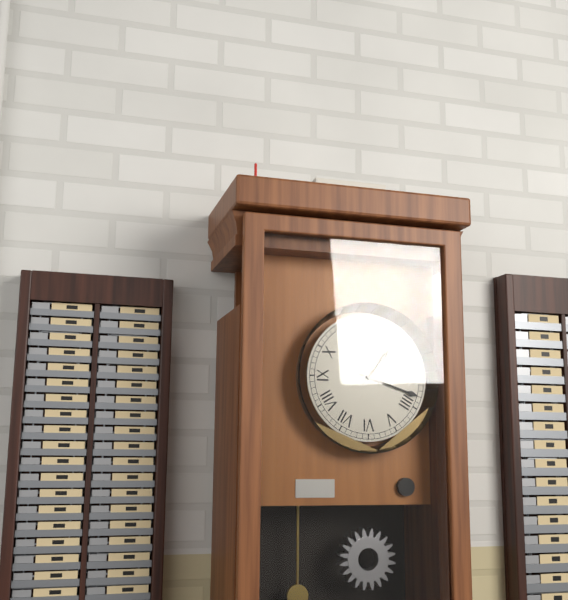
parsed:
1:18
